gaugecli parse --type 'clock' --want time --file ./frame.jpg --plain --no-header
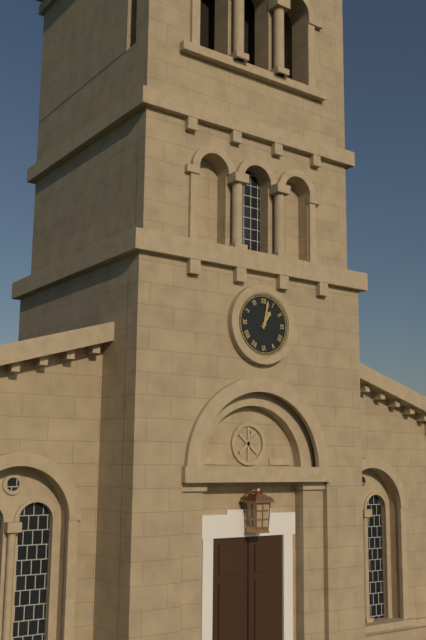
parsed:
1:02
